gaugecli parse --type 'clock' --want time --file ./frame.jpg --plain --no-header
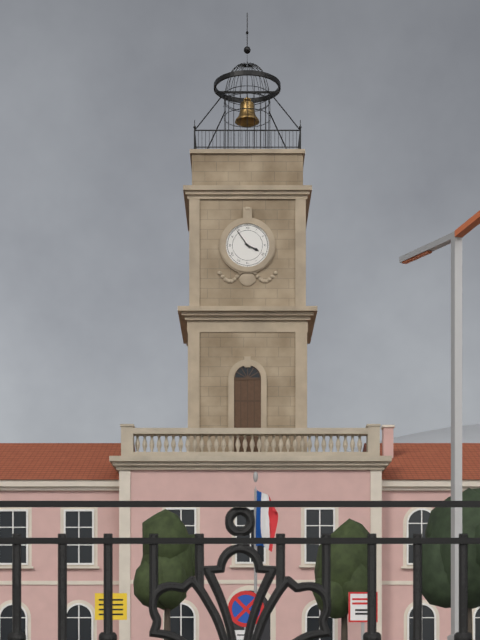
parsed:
3:54
